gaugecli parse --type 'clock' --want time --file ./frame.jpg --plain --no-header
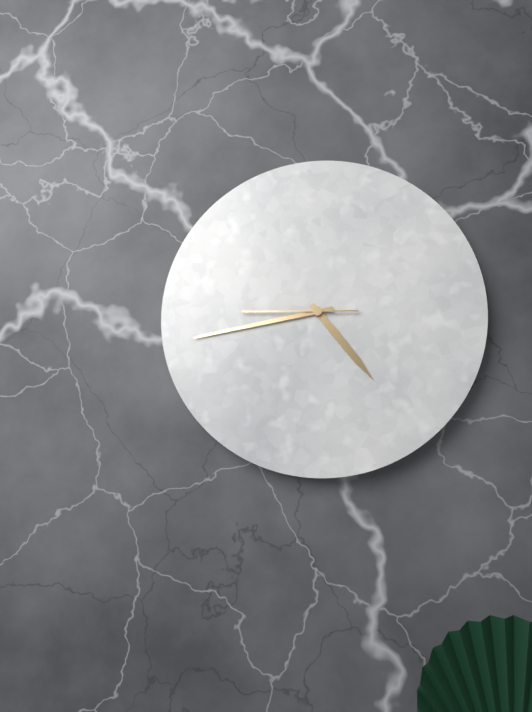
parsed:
4:43:45
